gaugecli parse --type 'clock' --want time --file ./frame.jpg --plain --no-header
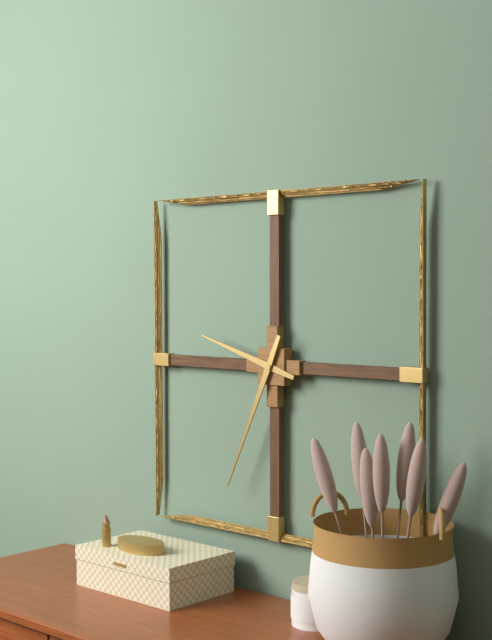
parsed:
9:34
